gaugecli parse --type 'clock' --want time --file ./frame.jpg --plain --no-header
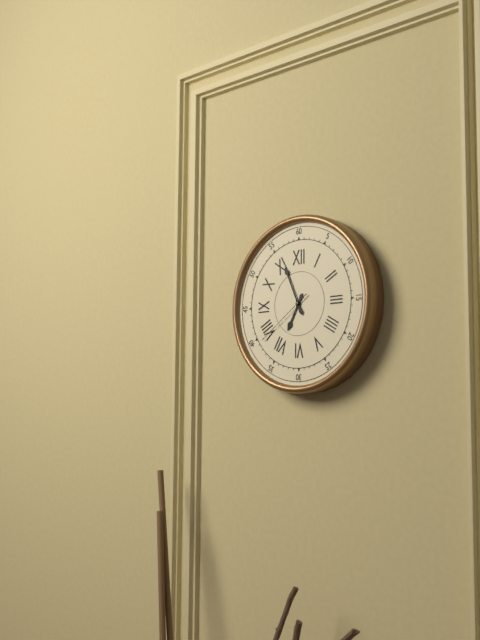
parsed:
6:56:39
